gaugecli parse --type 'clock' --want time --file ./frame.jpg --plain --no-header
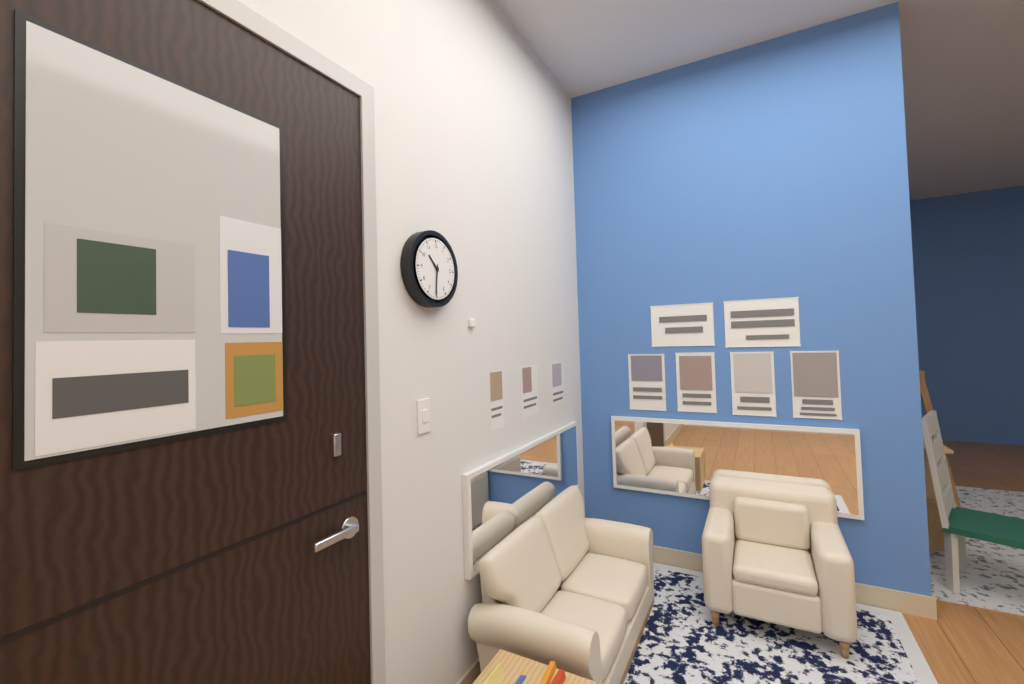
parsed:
10:31
